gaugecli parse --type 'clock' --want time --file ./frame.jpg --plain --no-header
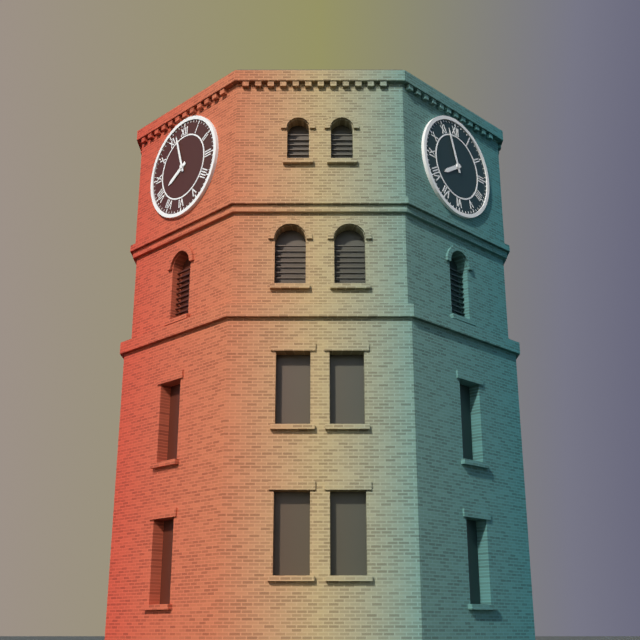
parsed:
7:57
